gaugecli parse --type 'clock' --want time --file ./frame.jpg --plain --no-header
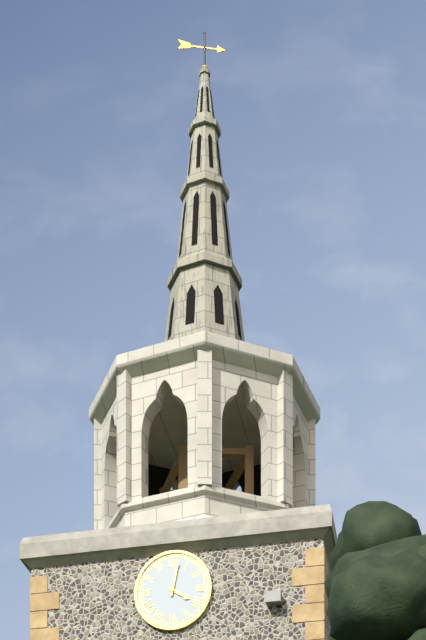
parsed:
4:02
